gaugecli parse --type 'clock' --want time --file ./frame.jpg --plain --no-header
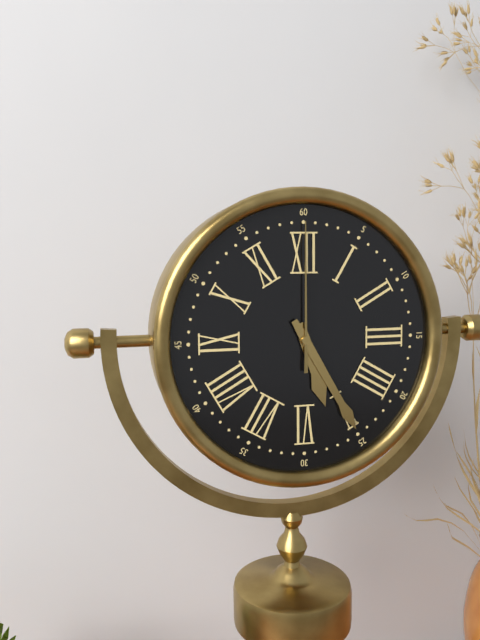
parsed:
5:25:00
